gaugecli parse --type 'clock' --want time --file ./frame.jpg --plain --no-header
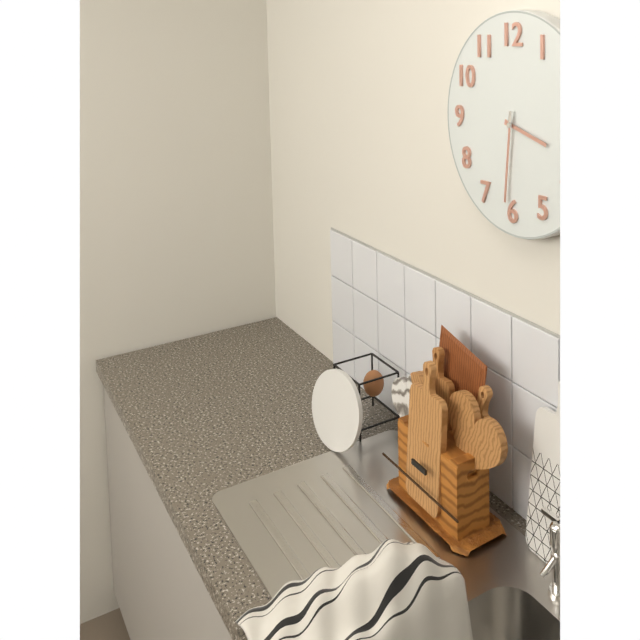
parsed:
3:31
